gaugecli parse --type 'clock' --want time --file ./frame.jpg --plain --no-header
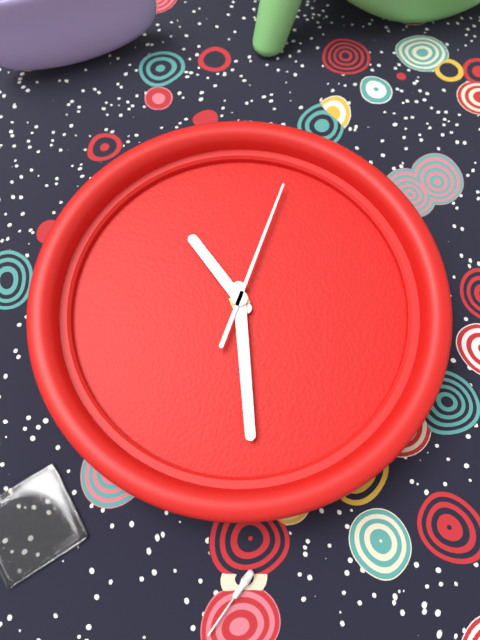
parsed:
11:33:07
